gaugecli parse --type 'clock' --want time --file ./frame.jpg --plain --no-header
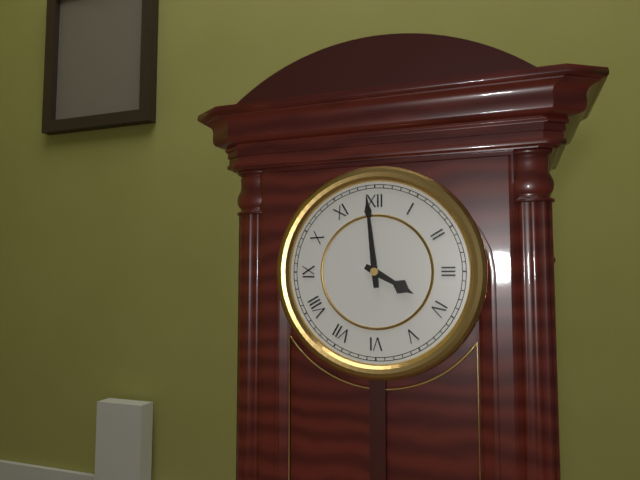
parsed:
3:59
